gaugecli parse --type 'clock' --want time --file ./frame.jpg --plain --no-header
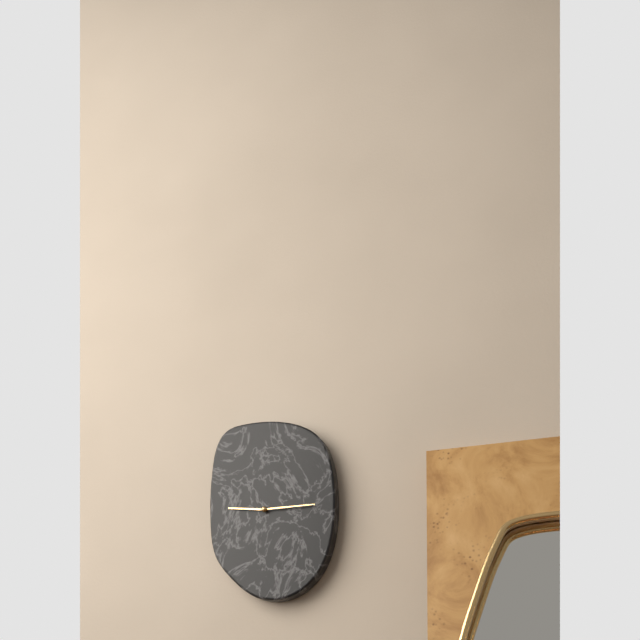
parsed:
9:15
